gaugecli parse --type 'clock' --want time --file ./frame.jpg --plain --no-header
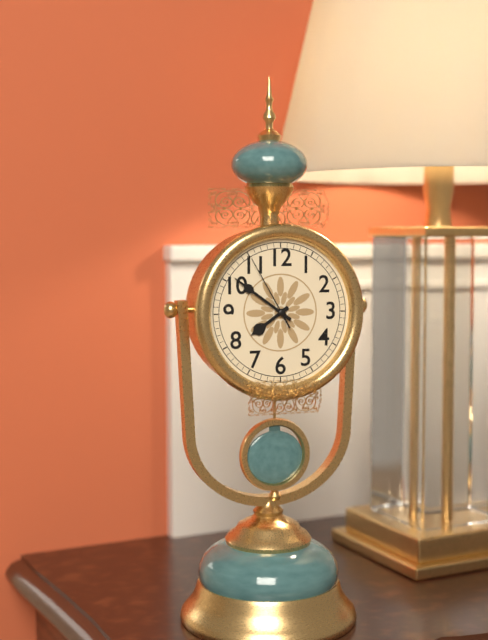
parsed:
7:51:55
